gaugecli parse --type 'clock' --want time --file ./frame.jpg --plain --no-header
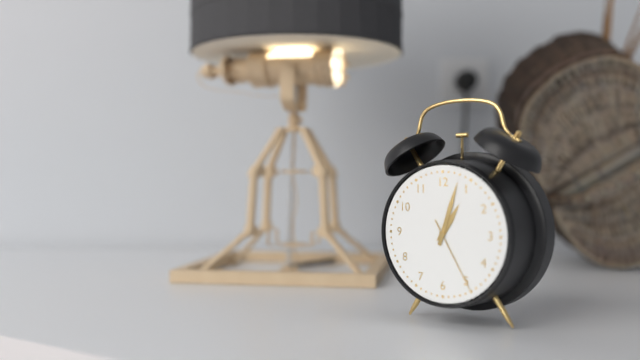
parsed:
1:03:25
